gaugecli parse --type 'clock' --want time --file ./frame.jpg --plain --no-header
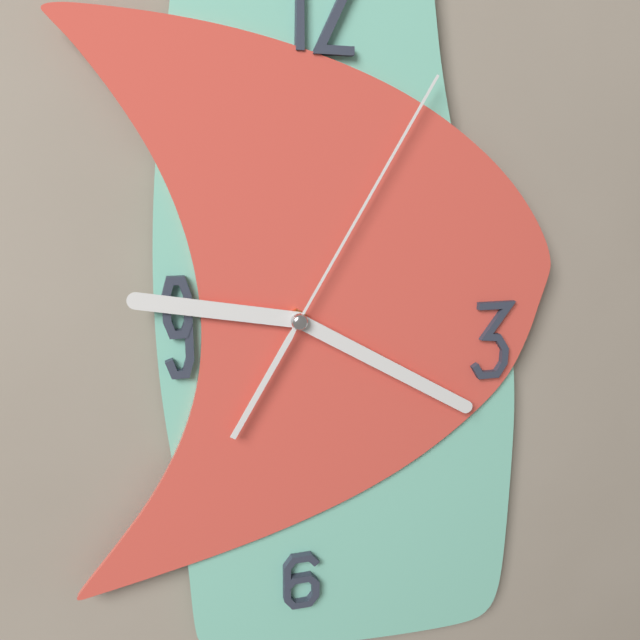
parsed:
9:20:05
